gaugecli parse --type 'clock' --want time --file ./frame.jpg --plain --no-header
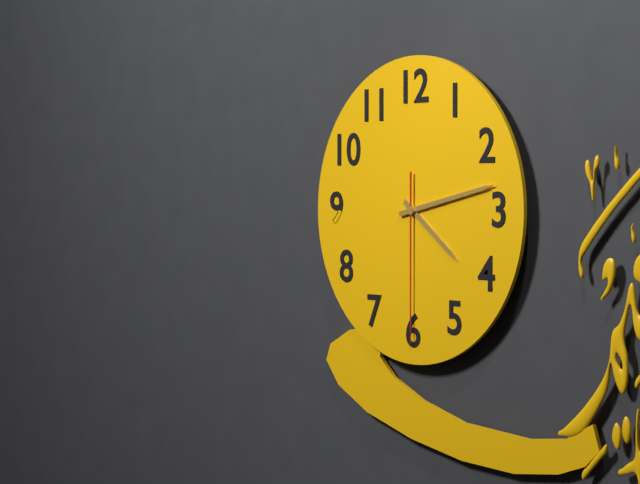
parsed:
4:13:30
